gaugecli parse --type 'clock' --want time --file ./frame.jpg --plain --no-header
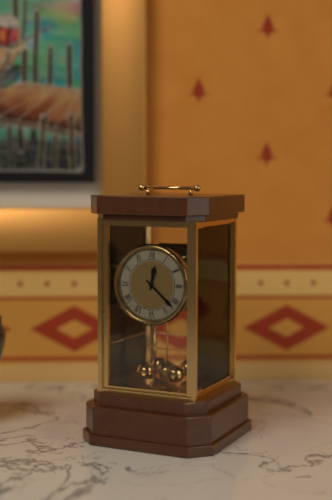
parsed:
12:22
